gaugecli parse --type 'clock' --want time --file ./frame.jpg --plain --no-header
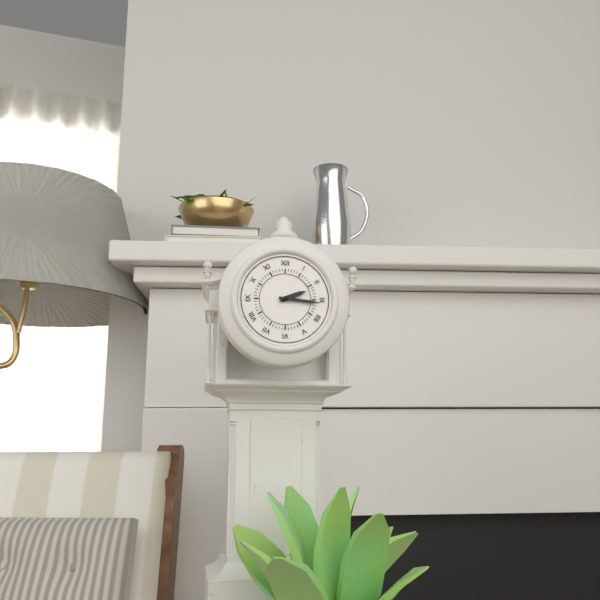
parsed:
2:16
